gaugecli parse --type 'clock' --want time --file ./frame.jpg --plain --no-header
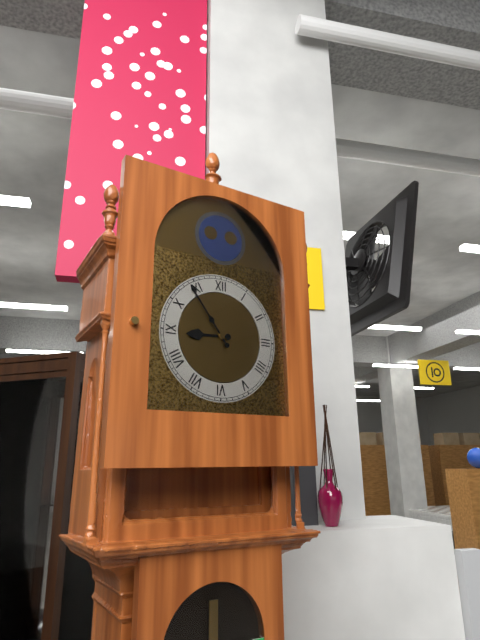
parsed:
8:54
